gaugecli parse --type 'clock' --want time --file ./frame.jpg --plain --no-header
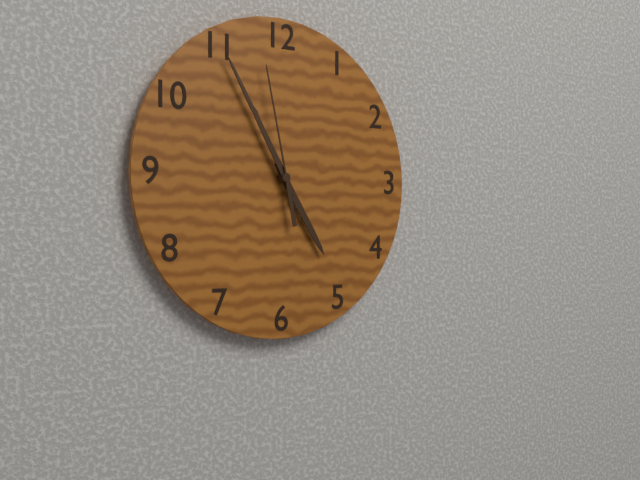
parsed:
4:55:58
